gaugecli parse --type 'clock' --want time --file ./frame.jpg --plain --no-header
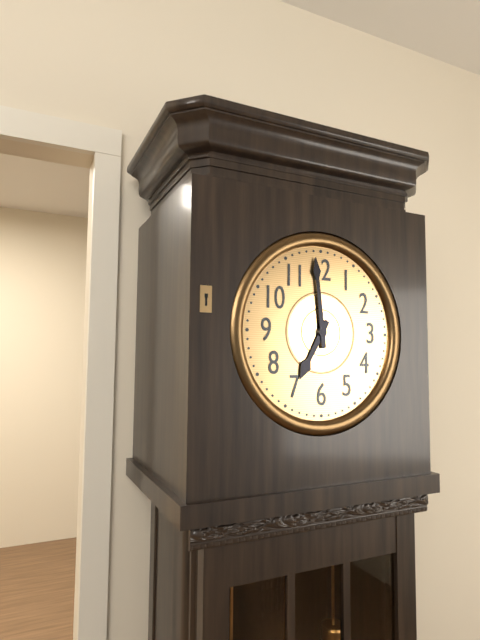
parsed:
6:59
